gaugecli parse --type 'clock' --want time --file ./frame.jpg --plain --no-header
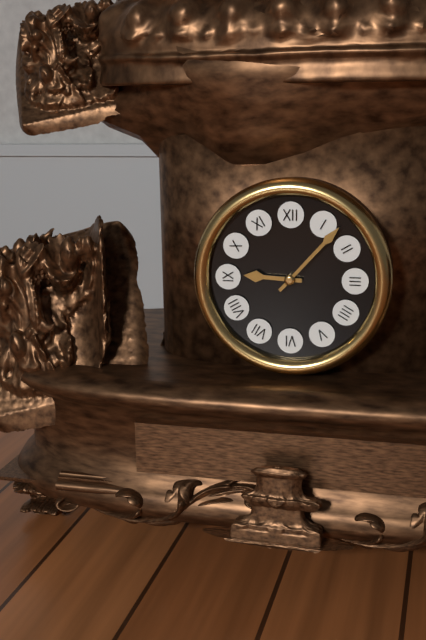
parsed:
9:07
